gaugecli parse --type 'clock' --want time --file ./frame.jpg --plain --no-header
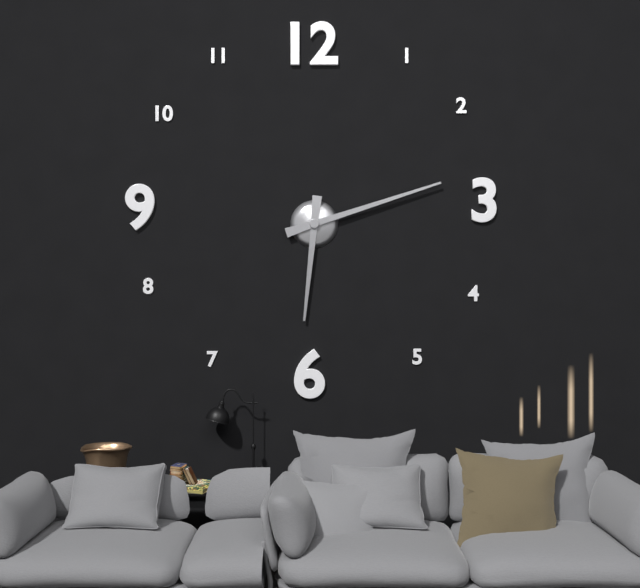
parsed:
6:12
